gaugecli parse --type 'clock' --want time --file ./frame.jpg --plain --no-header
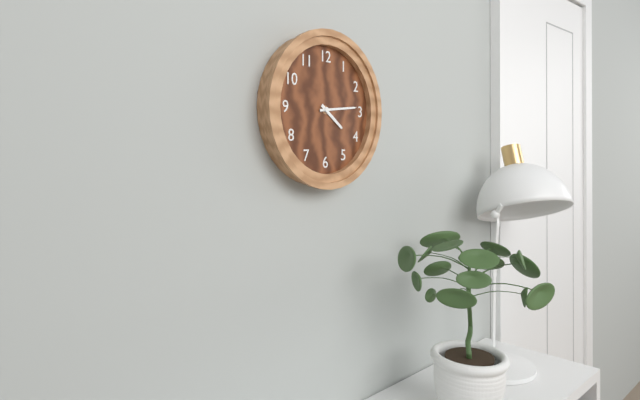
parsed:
4:14
